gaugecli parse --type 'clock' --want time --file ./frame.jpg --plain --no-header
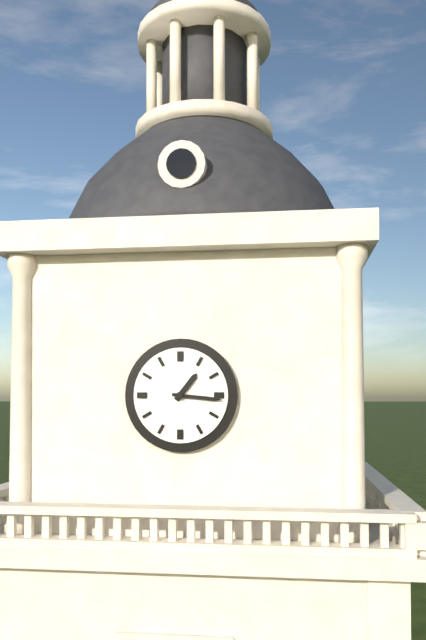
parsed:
1:16
